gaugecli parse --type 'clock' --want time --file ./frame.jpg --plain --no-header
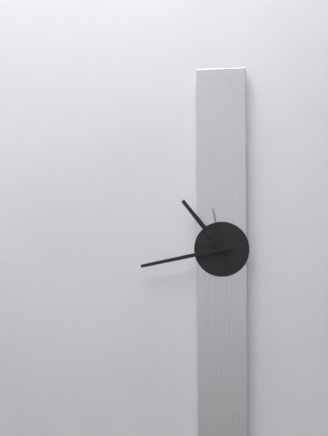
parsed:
10:43:58
